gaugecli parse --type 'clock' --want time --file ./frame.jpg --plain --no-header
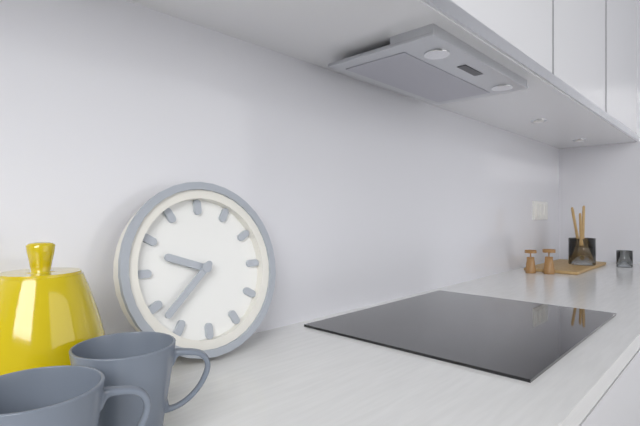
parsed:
9:38
